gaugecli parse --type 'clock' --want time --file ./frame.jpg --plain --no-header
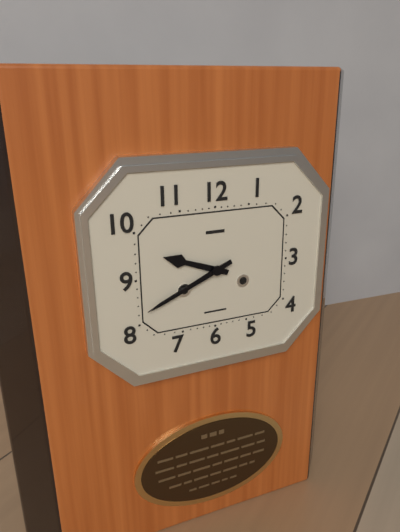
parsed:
9:41
